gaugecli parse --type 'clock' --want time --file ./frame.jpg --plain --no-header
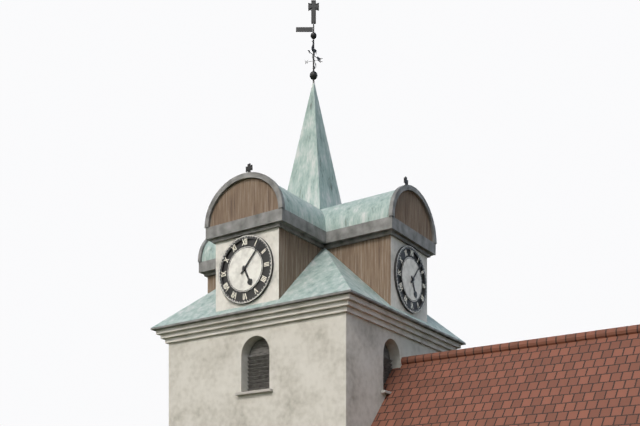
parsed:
5:07
